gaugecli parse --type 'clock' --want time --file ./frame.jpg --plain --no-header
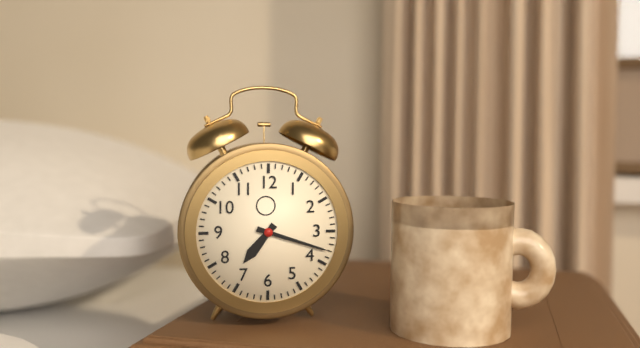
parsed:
7:18
